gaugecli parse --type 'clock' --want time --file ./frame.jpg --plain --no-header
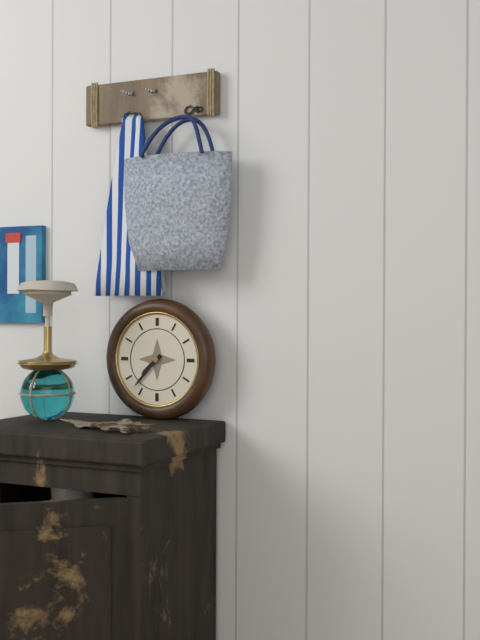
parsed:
7:37
